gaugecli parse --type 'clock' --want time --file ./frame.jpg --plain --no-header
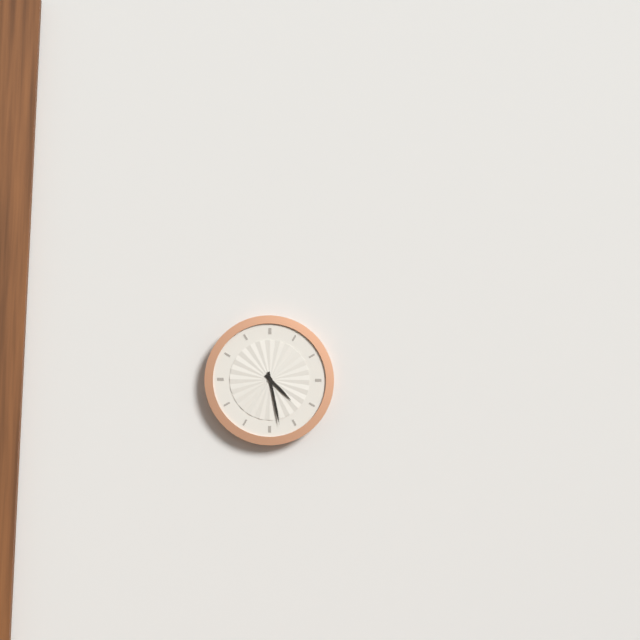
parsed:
4:28
